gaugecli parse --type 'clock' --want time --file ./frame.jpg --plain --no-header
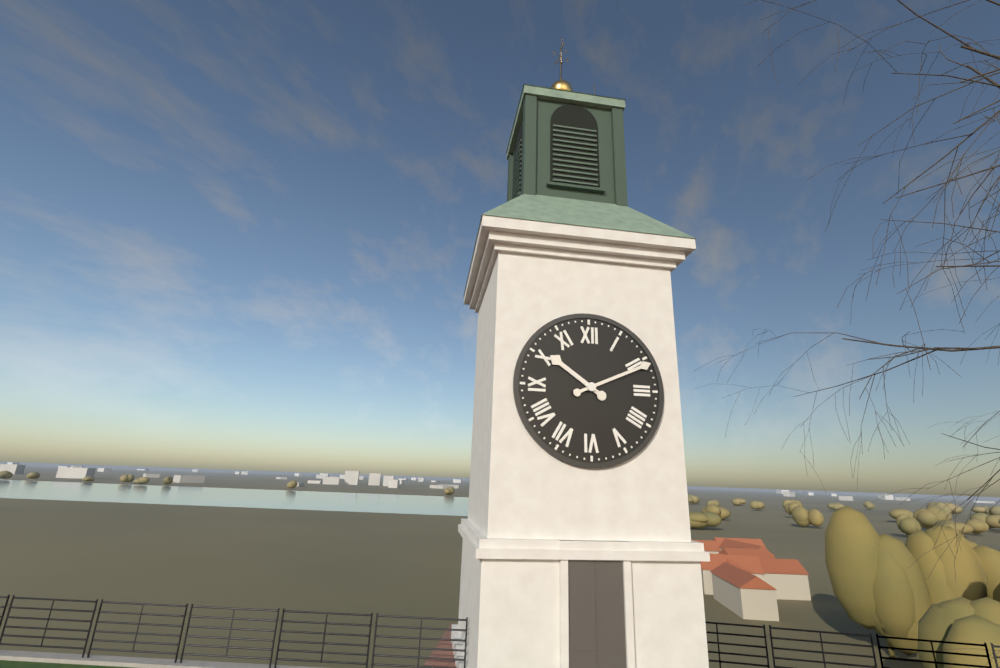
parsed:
10:11
